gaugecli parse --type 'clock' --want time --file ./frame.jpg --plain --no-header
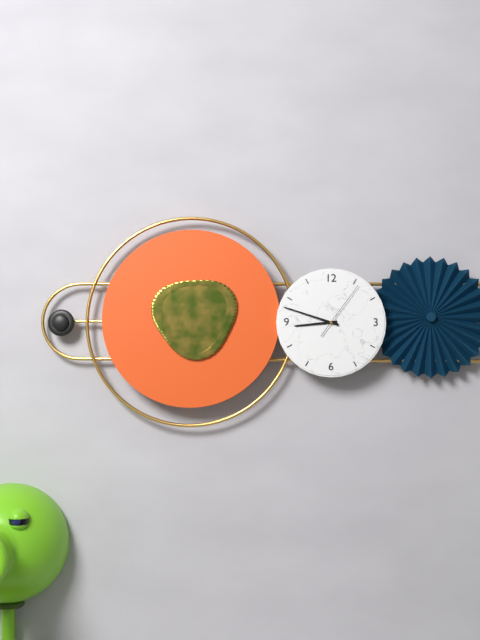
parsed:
8:48:06
